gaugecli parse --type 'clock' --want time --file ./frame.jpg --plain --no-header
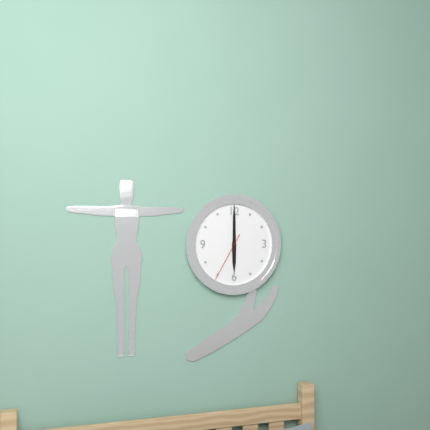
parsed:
6:00:35
